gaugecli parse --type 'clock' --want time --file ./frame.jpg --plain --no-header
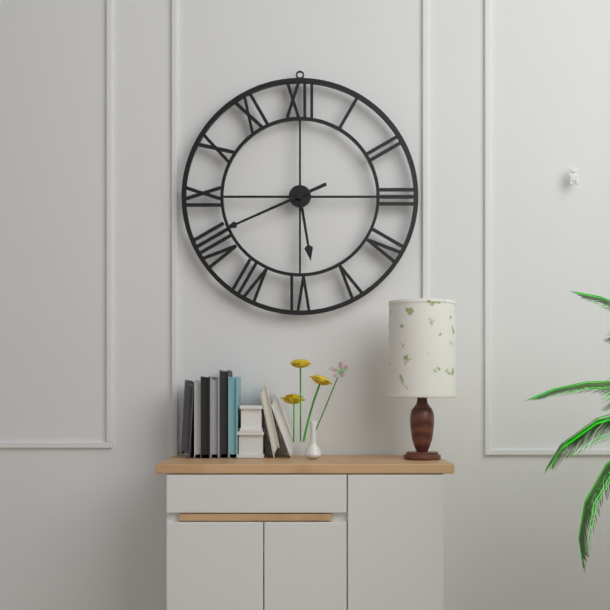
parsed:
5:41
